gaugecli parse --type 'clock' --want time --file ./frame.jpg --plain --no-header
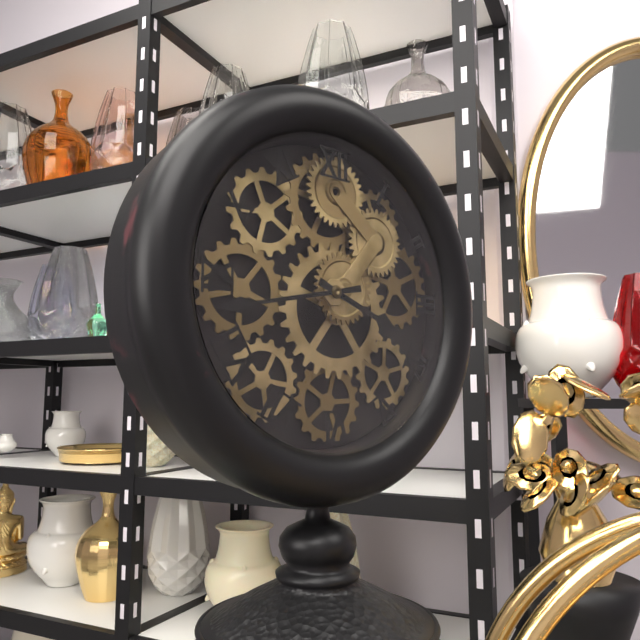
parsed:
3:43
